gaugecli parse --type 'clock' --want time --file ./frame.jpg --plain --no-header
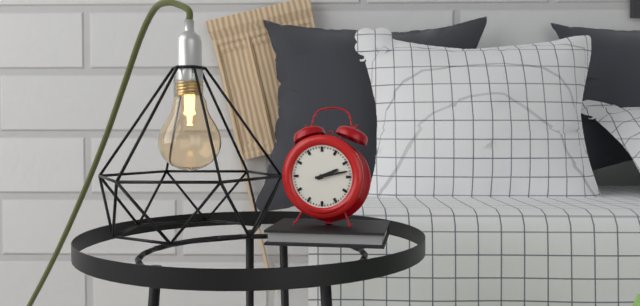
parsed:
2:13
